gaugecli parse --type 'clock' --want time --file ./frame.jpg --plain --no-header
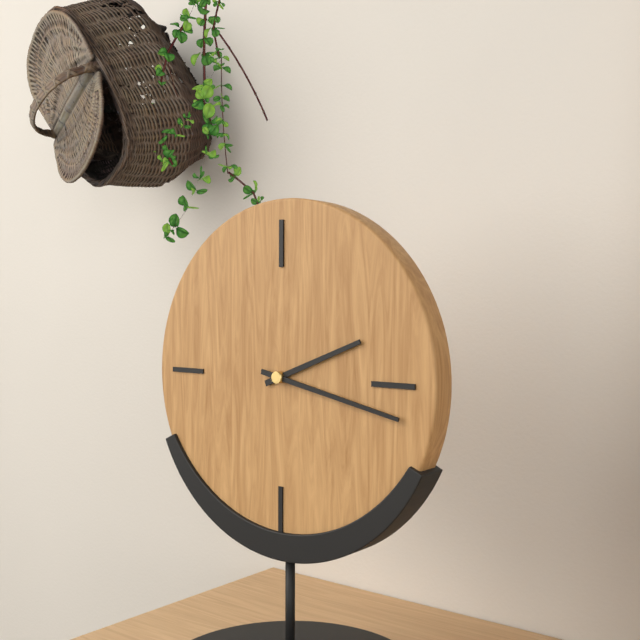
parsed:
2:17
